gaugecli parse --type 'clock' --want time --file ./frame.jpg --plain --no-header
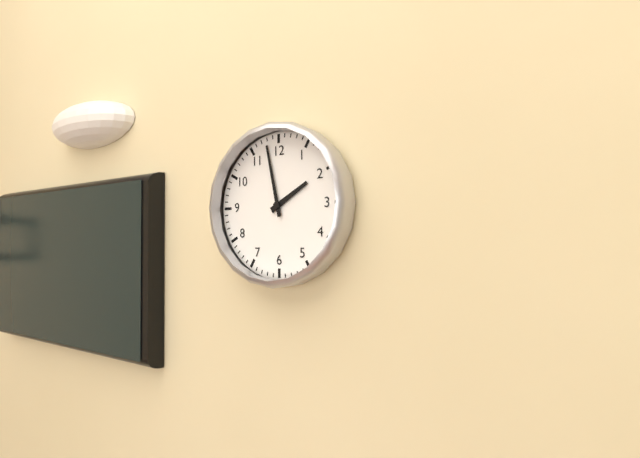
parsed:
1:58
